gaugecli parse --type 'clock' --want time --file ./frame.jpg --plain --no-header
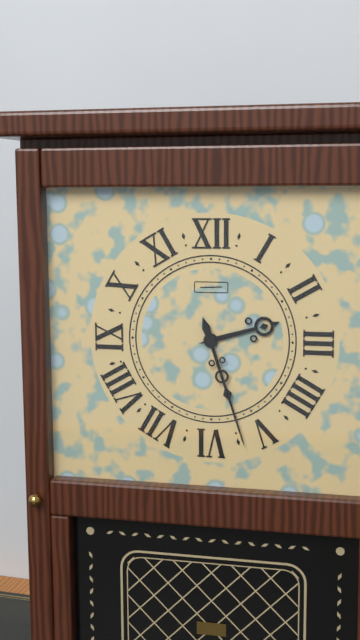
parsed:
2:27
